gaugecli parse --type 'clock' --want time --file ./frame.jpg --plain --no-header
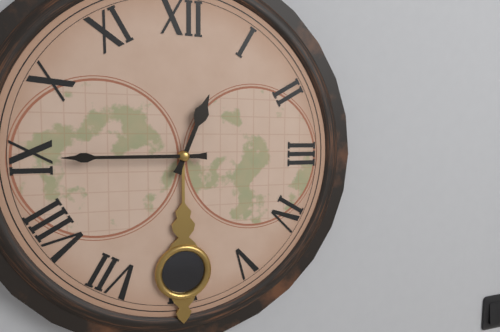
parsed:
12:45
